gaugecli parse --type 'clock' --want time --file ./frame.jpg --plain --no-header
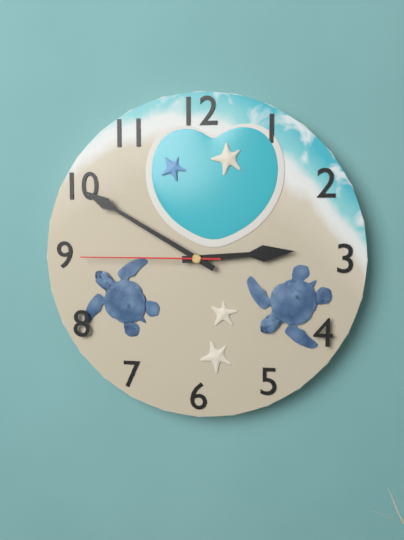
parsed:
2:50:45
